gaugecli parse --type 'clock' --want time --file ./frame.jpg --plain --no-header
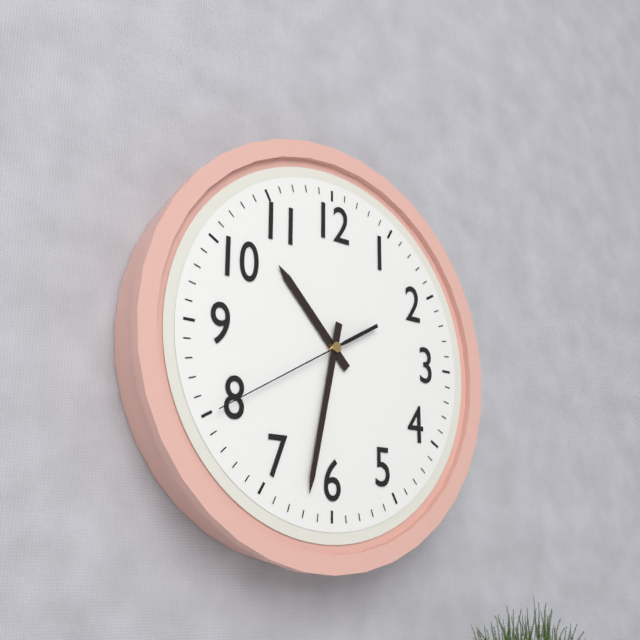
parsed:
10:32:40
